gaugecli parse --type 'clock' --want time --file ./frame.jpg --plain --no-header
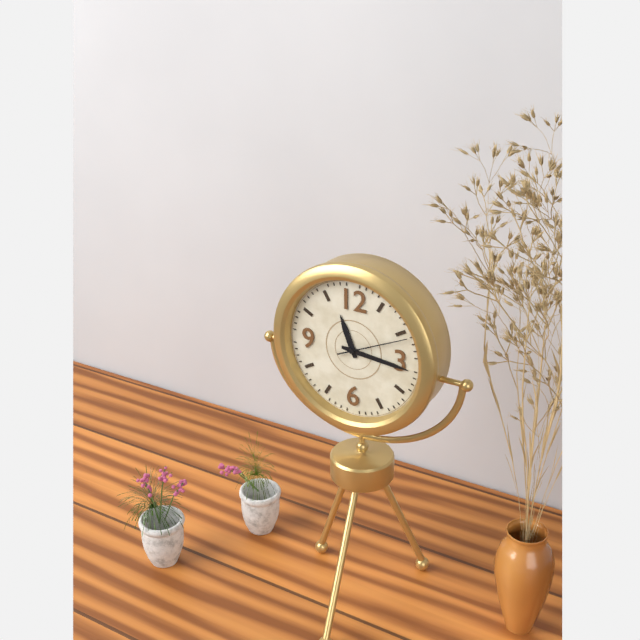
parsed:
11:16:11
